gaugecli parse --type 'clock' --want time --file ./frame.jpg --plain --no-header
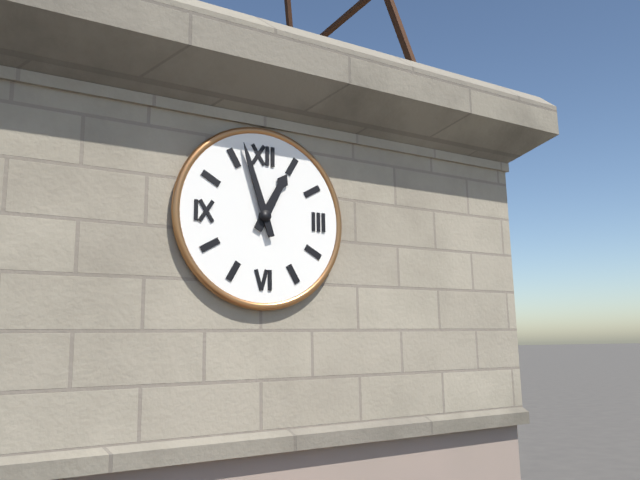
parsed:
12:57
